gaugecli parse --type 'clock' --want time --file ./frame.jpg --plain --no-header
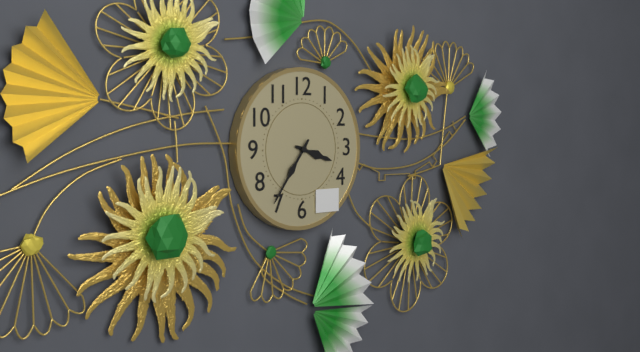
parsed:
3:36
